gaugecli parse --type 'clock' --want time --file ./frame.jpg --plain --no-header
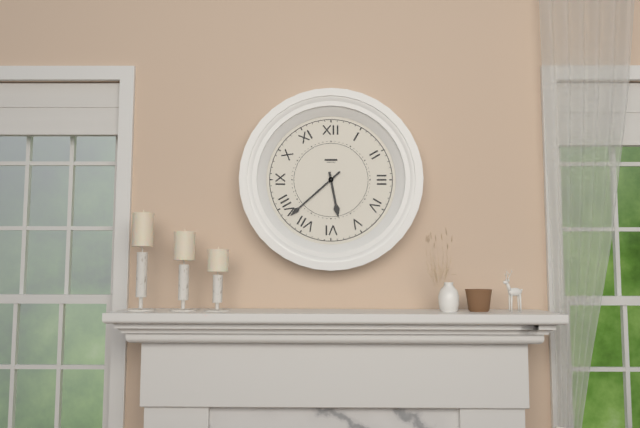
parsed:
5:38
